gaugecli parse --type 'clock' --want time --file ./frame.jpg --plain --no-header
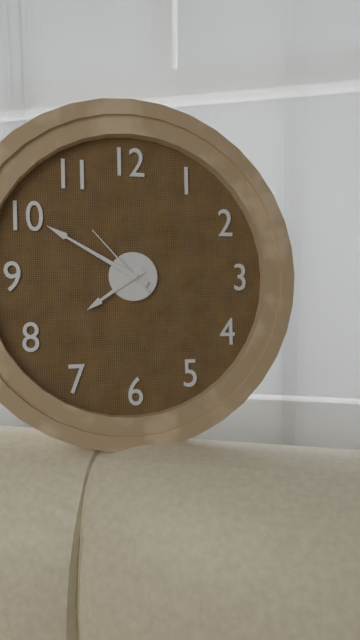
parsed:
7:50:53
